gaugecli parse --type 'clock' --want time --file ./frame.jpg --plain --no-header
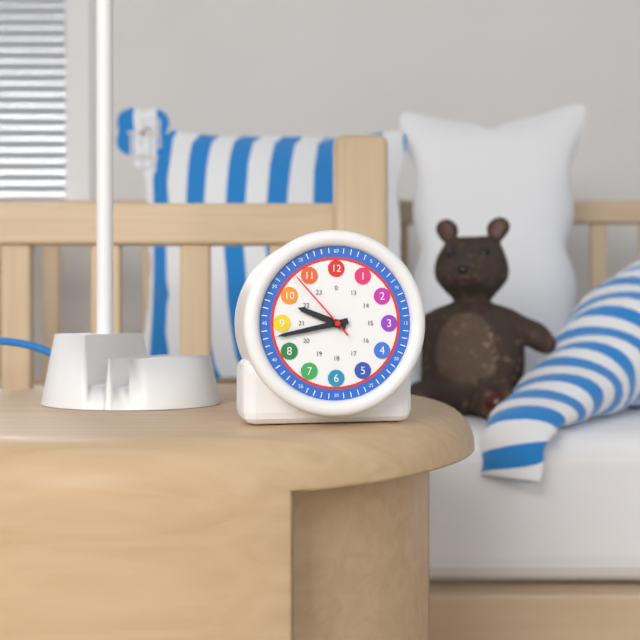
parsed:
9:43:53
